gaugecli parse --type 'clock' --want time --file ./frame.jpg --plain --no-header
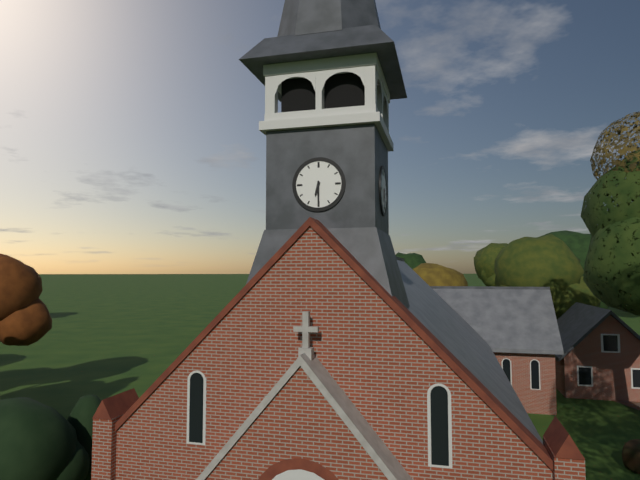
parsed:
6:30
